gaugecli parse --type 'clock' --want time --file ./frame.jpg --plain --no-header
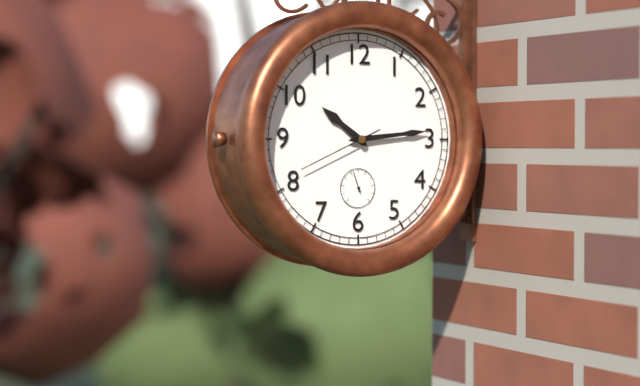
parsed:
10:14:41
